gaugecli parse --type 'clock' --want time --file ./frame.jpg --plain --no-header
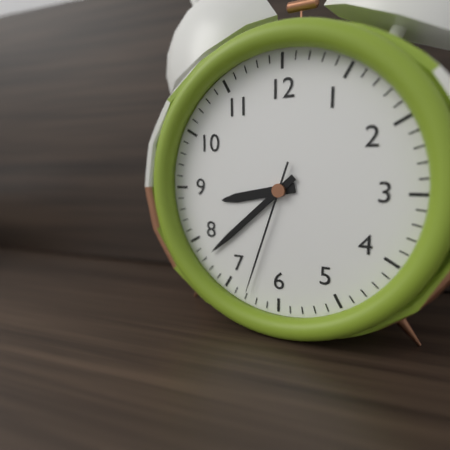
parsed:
8:38:33
